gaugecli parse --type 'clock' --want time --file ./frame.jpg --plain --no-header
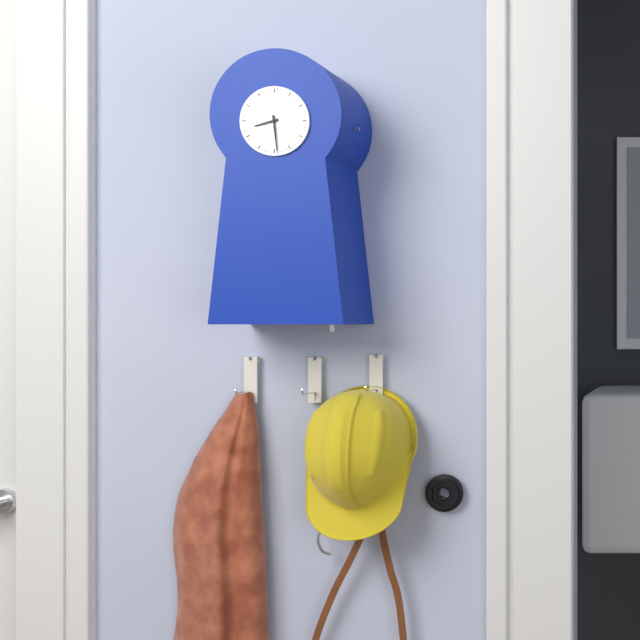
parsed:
8:29
